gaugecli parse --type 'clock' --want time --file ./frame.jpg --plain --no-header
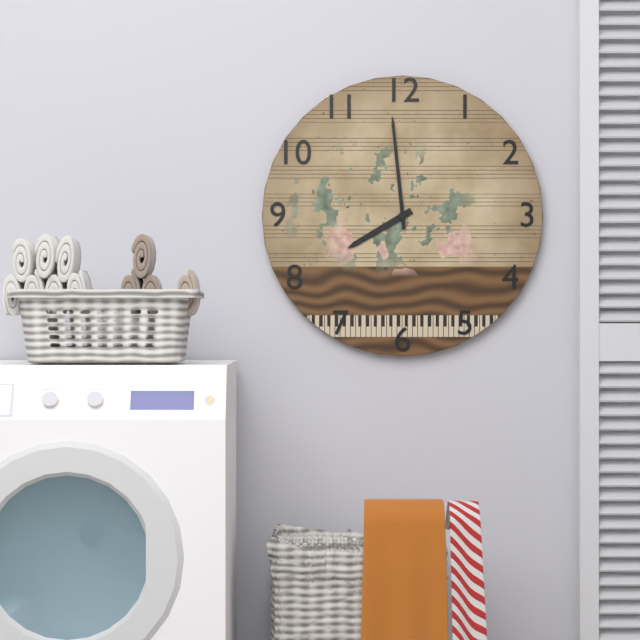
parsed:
7:59
